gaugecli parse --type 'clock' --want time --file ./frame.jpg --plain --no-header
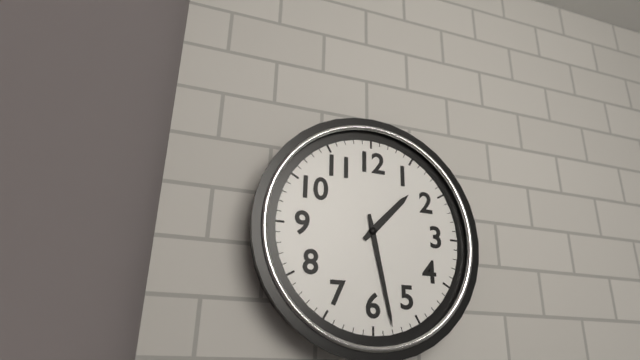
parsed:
1:28
